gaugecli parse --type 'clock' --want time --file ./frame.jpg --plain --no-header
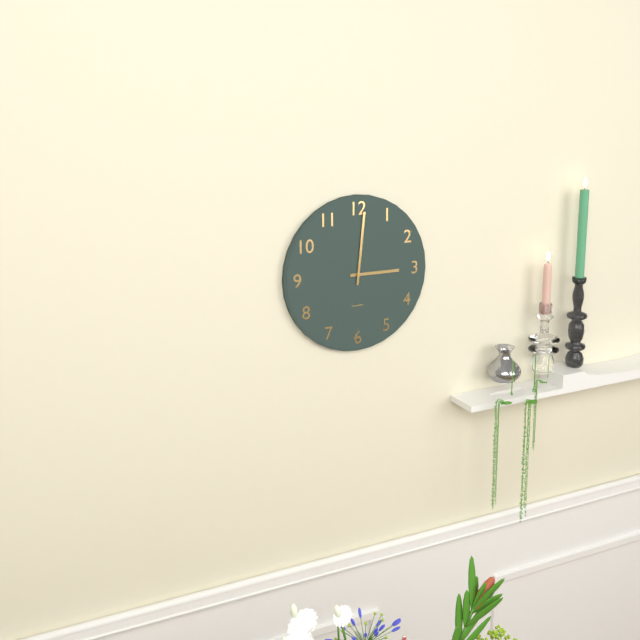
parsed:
3:01
